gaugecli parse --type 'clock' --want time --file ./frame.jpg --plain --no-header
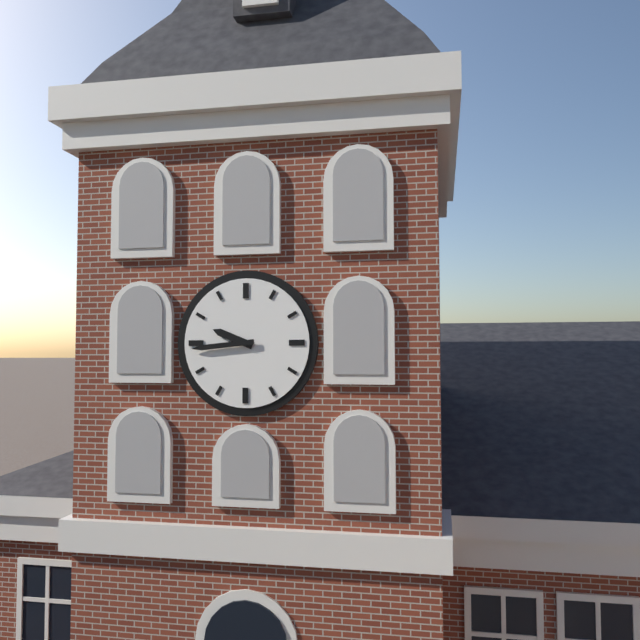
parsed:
9:44
